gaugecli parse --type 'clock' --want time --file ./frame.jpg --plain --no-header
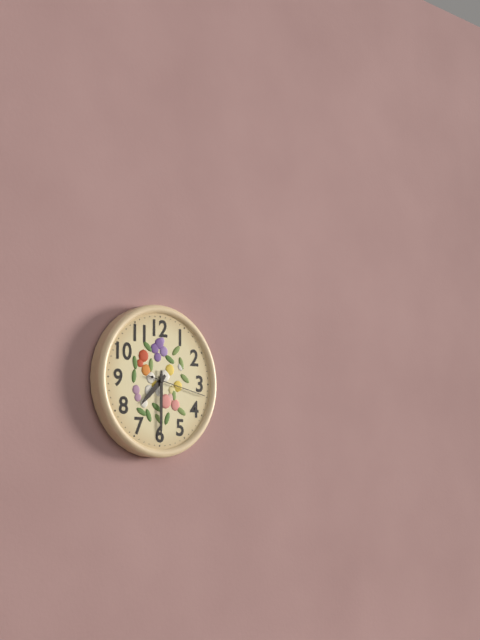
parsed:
7:30:17
